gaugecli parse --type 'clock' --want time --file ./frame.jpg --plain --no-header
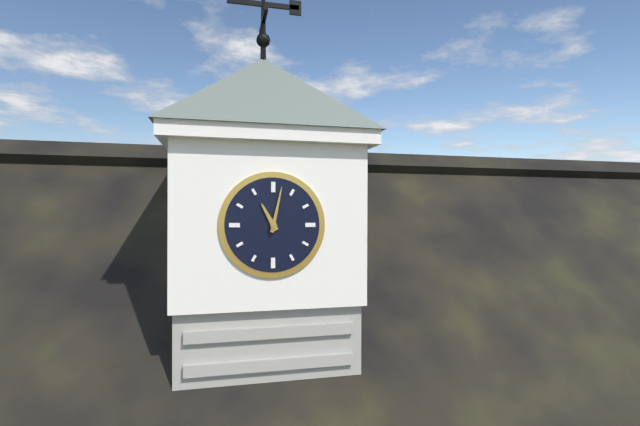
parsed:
11:02
